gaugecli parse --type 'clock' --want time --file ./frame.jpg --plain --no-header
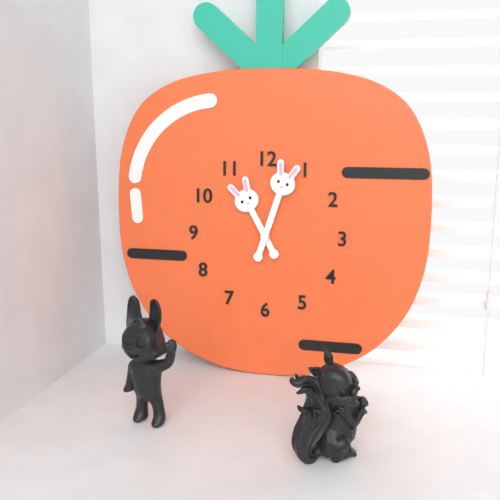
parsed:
11:03
